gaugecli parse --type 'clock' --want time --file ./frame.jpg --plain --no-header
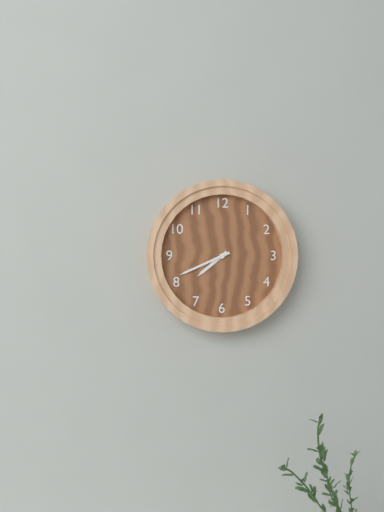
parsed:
7:41
